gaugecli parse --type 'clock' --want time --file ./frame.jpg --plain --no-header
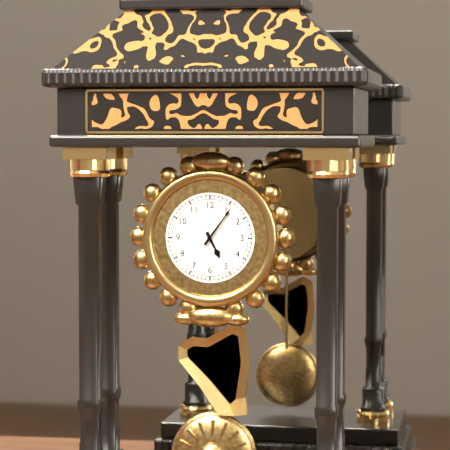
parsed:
5:06
